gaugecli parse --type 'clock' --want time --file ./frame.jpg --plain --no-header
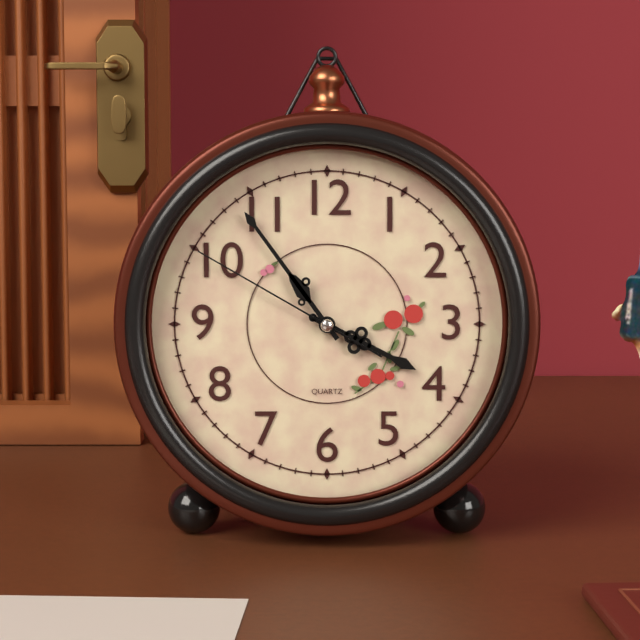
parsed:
3:54:50
